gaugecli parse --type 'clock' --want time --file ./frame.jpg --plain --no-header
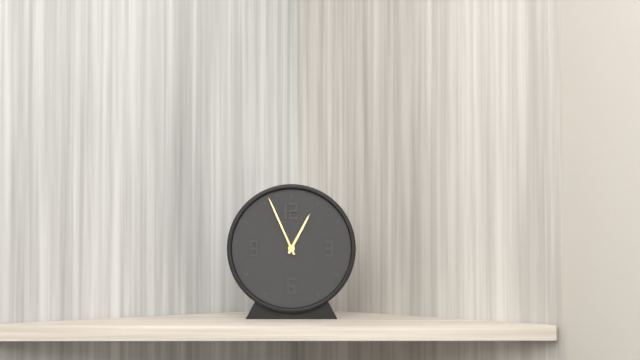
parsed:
12:56
